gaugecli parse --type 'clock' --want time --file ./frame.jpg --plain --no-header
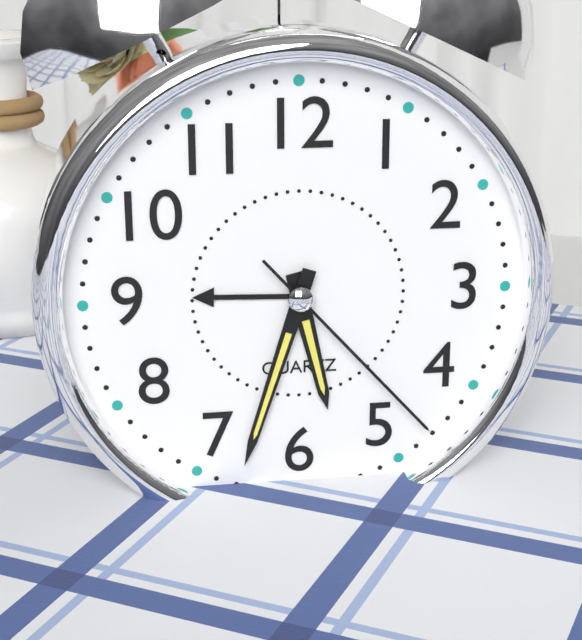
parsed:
5:33:23
